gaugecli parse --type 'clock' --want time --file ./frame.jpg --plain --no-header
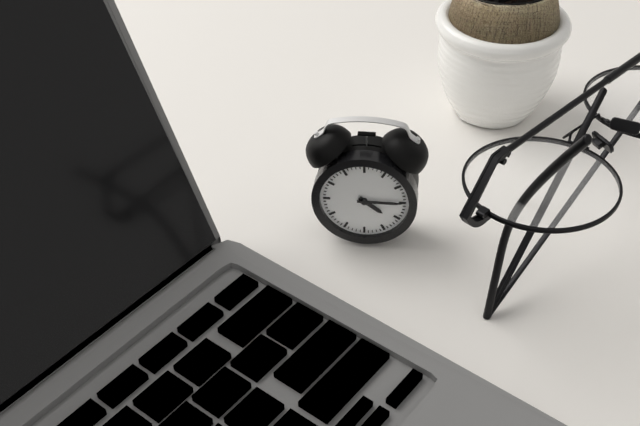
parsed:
4:15
